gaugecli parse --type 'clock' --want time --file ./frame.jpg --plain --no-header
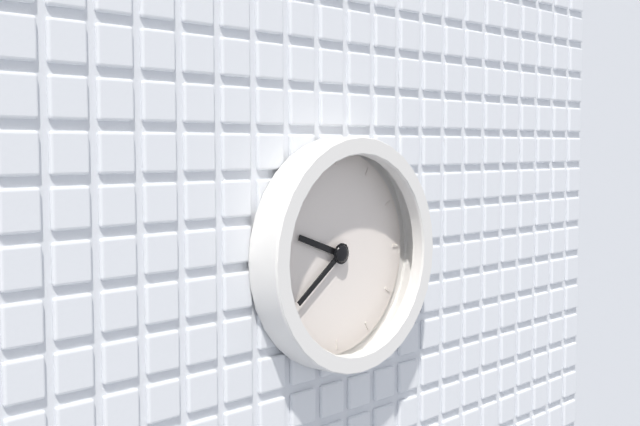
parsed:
9:39
